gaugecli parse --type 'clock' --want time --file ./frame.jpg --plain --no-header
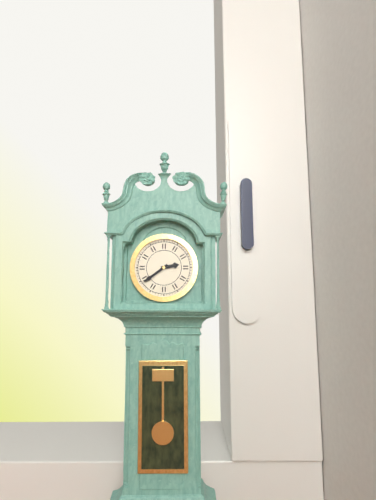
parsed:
2:39
